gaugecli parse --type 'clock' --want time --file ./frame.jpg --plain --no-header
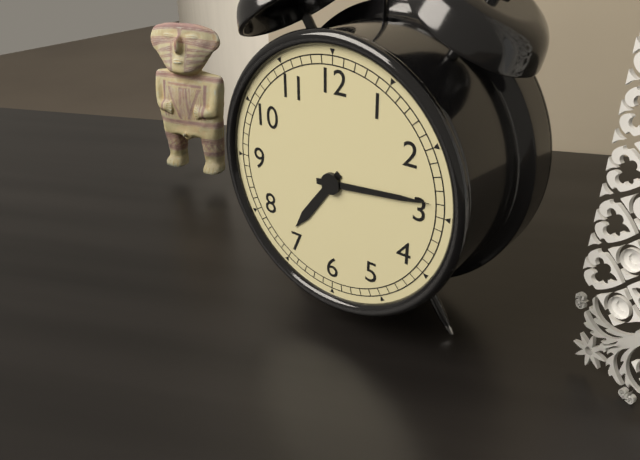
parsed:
7:14
